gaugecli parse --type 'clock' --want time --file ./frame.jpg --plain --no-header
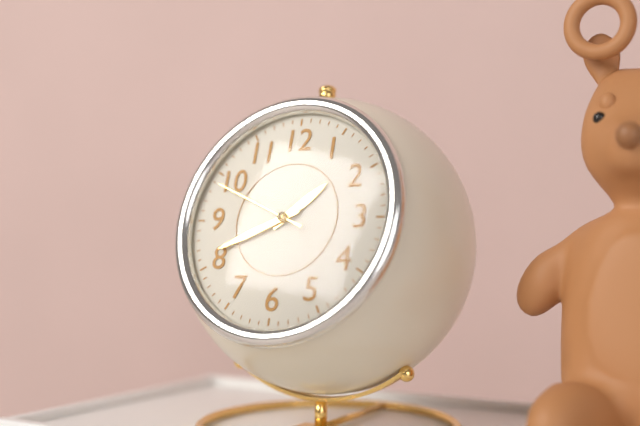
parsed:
1:41:49
